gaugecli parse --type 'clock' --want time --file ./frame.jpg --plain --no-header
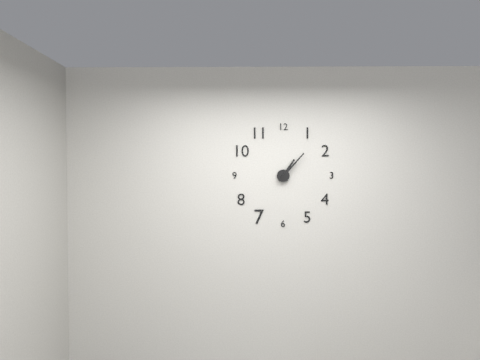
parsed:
1:07
